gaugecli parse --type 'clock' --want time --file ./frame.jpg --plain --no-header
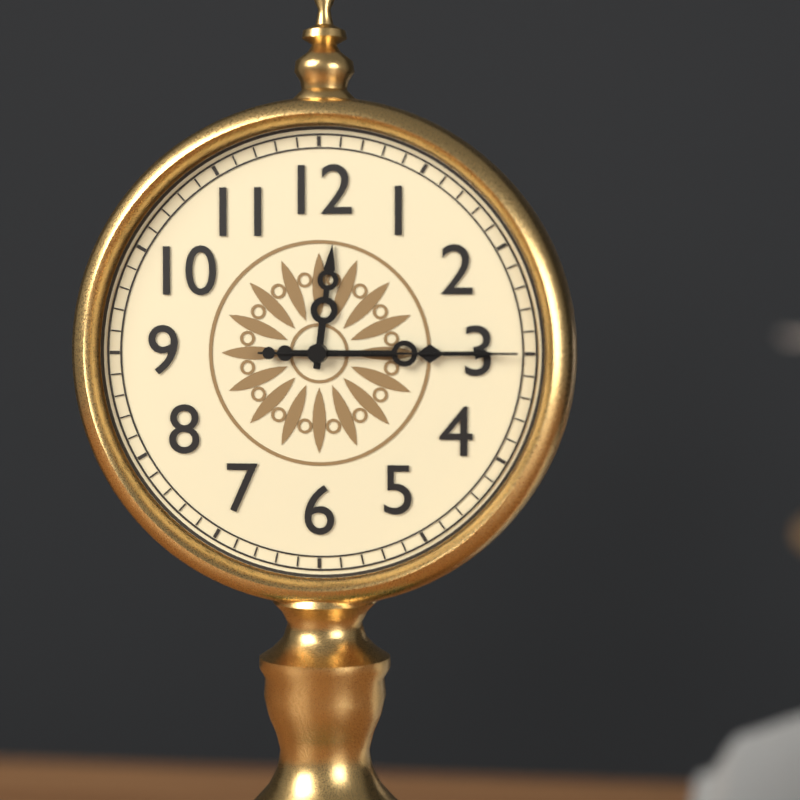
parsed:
12:15:15
